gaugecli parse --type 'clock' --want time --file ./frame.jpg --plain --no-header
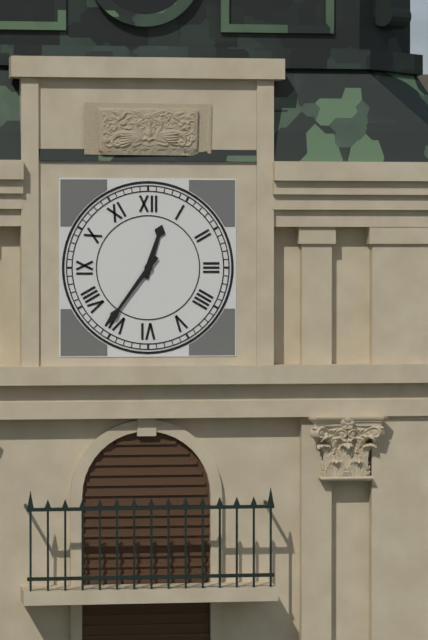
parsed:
12:36
